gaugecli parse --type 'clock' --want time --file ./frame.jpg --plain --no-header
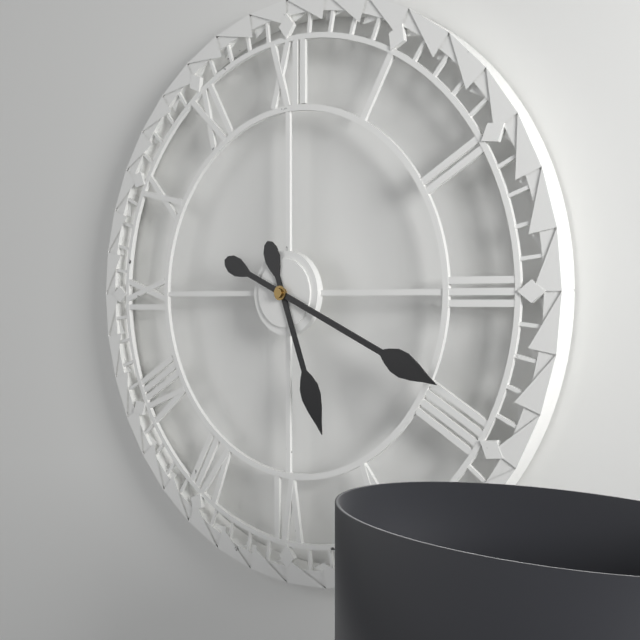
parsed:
5:19
